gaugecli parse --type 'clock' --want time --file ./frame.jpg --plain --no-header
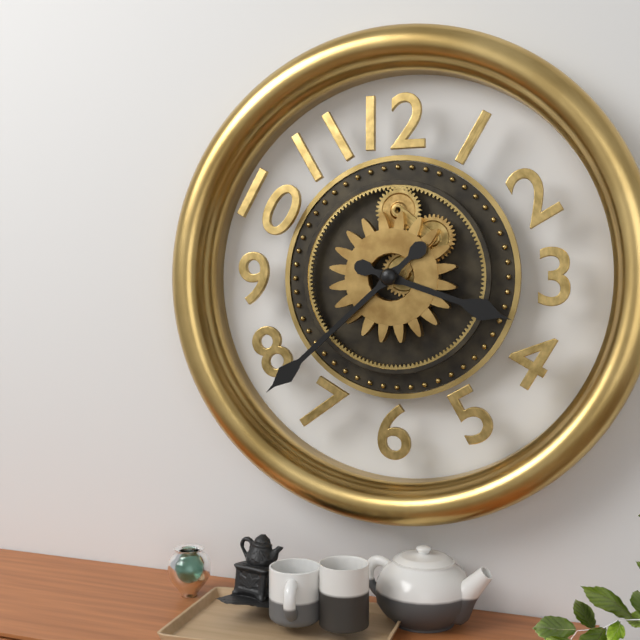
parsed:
3:38
